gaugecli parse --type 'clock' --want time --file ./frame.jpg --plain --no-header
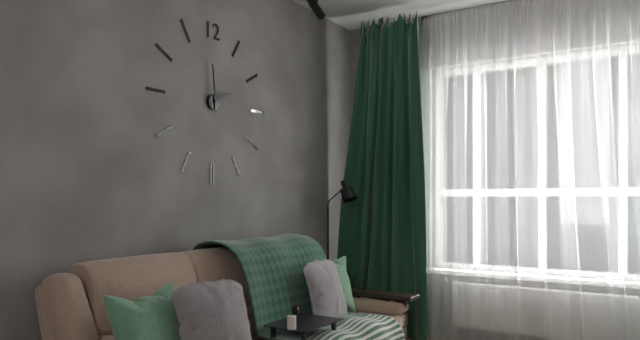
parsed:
1:59
